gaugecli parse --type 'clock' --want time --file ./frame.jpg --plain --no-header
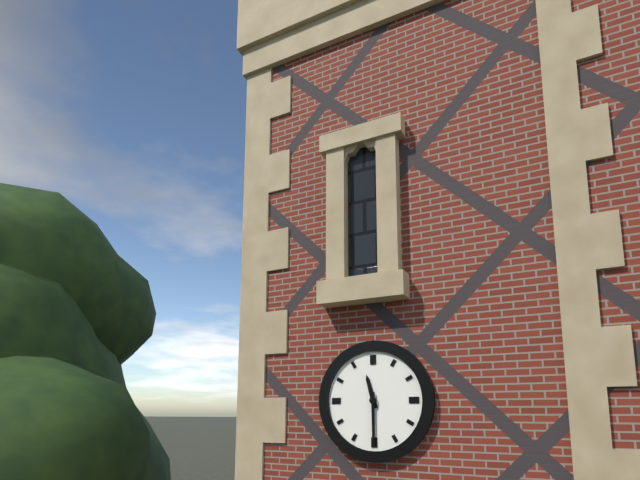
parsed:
11:30
